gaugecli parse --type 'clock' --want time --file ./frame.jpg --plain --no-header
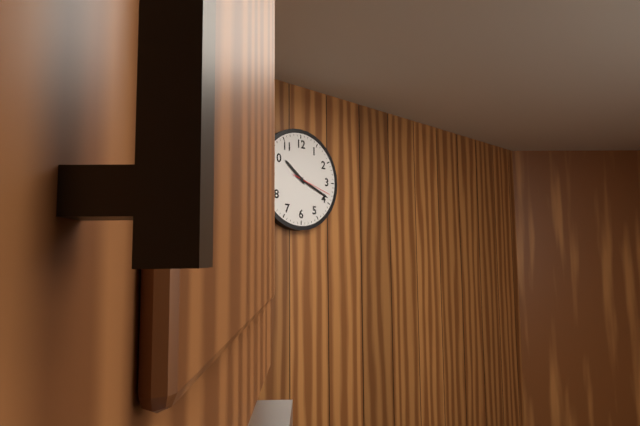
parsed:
10:19
